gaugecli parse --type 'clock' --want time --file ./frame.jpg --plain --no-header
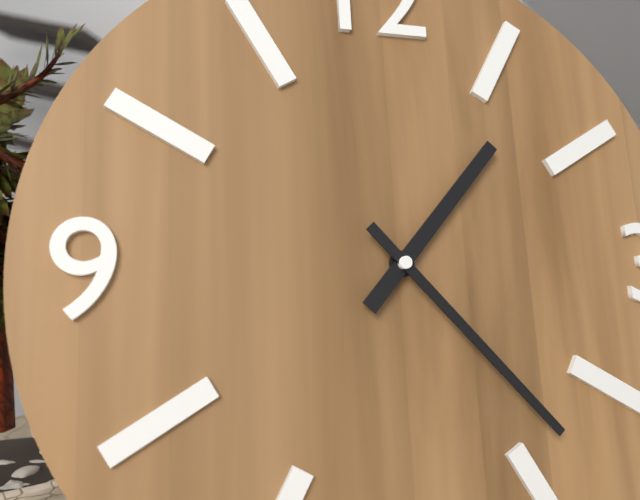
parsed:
1:23
